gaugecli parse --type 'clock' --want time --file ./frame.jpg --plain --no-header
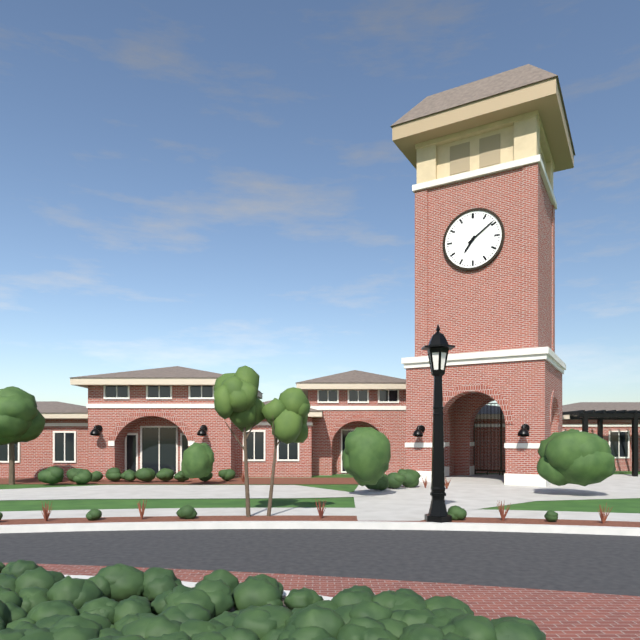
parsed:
7:09
